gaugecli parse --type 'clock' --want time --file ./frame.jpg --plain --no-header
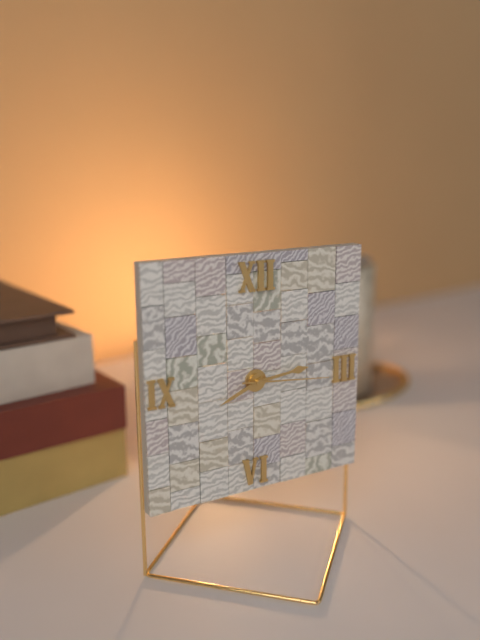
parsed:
8:14:16
